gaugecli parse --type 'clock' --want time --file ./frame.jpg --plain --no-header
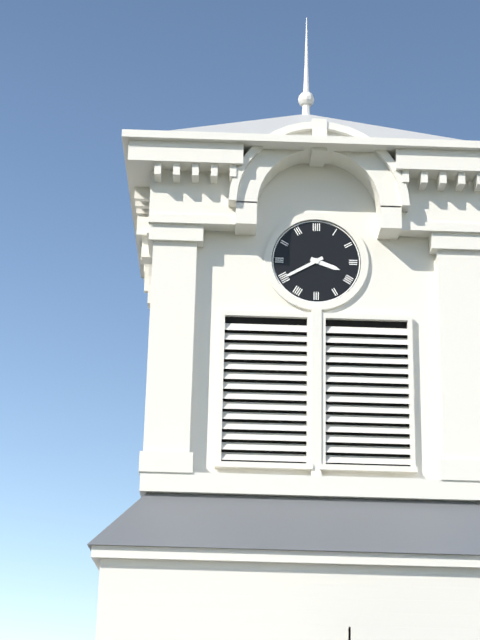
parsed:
3:40
